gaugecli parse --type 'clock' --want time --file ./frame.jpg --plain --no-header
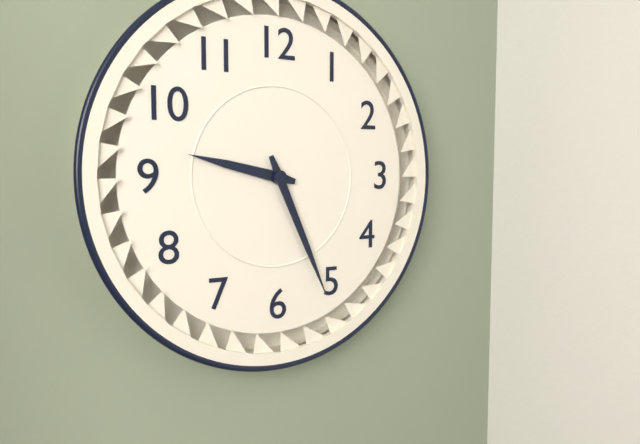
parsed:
9:26
